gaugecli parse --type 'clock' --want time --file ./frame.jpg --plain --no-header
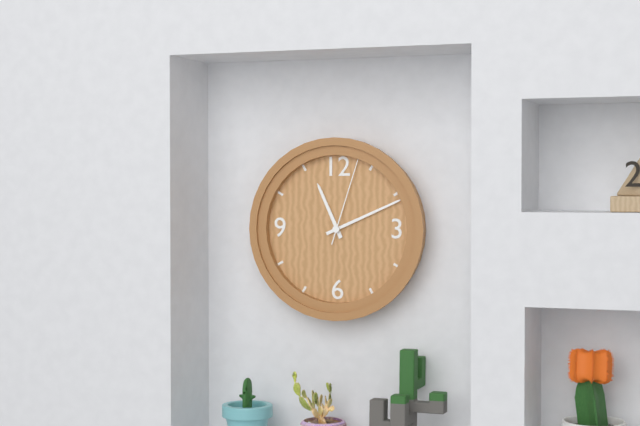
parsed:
11:11:03
